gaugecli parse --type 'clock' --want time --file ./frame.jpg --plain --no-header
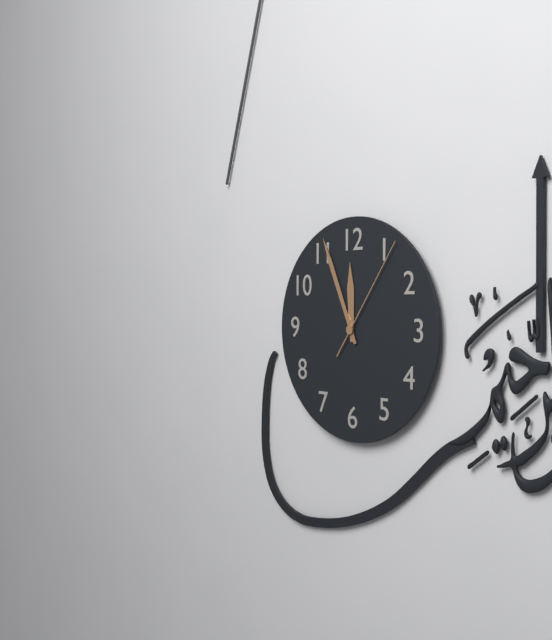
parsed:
11:56:06
